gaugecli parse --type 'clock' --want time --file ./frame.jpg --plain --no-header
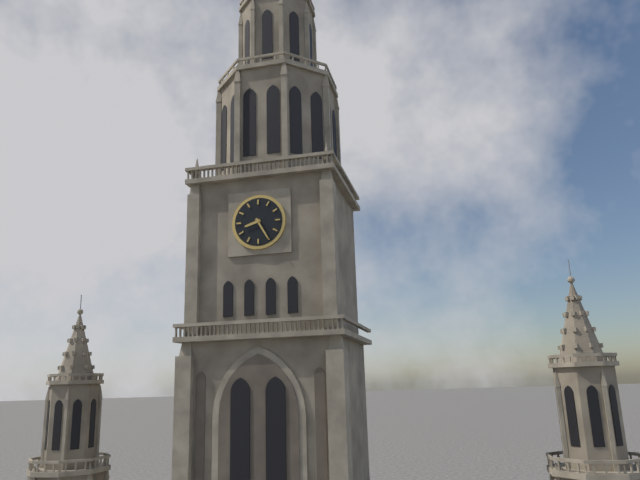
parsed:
8:25
